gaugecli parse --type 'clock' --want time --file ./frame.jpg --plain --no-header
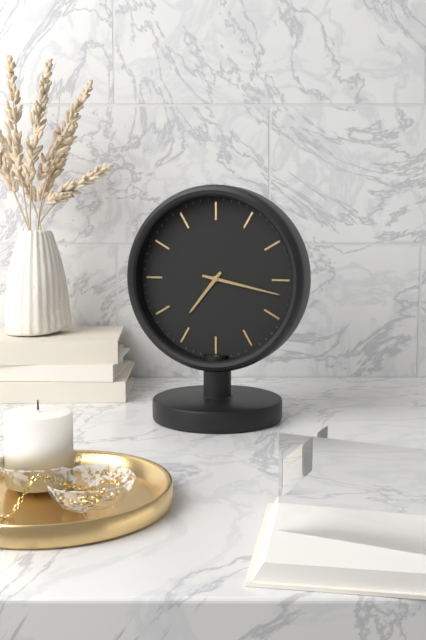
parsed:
7:17
